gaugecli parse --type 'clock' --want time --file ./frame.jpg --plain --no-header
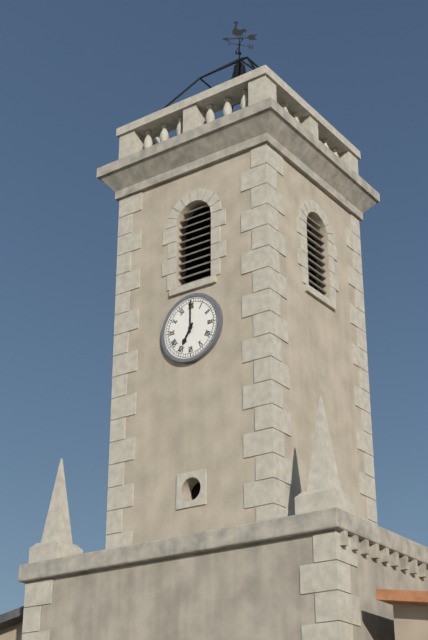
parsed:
7:00
